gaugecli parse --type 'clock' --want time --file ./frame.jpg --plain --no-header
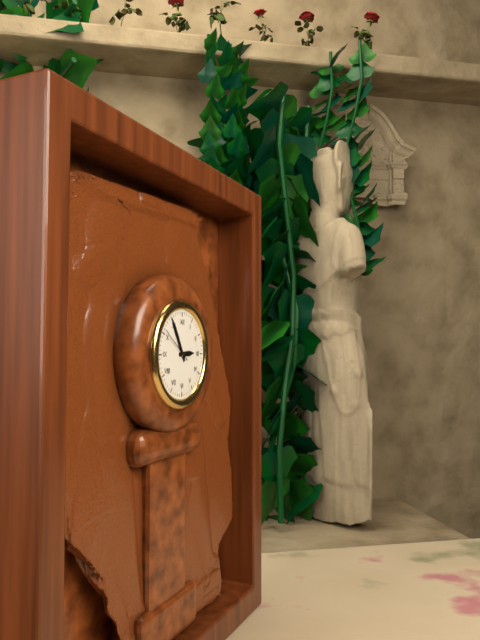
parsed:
2:55
